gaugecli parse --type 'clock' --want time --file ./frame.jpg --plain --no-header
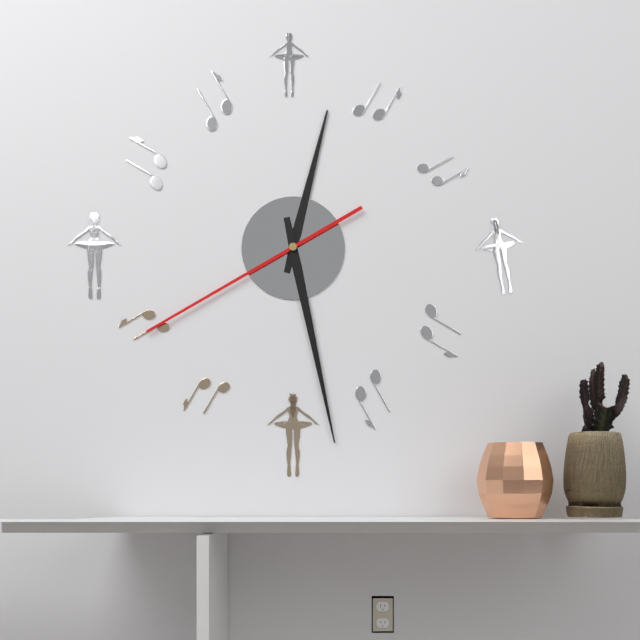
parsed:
12:28:40
